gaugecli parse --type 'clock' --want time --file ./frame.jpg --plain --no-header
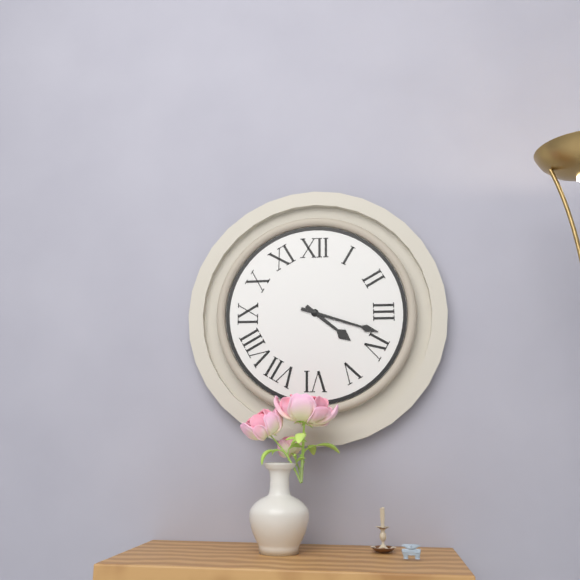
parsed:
4:18
